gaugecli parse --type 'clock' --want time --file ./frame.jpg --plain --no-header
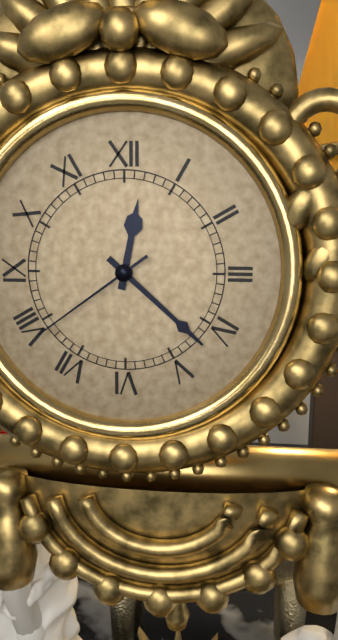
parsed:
12:22:39
